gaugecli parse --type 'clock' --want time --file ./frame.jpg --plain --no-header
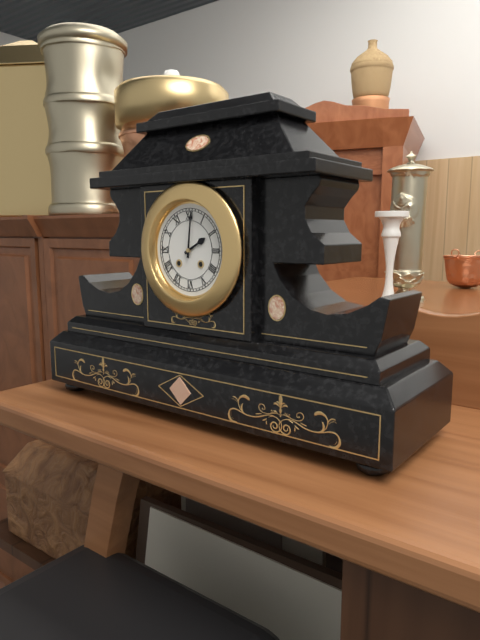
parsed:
2:01
